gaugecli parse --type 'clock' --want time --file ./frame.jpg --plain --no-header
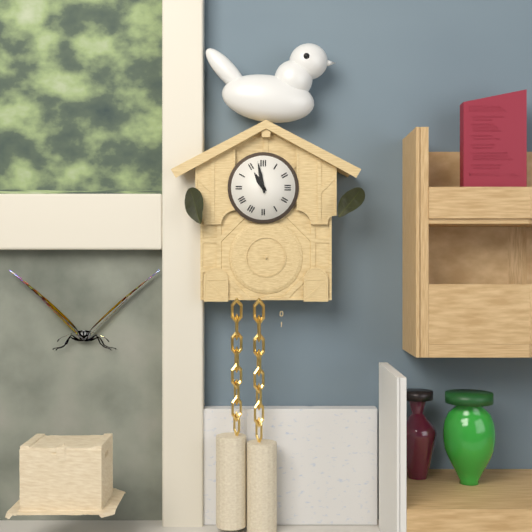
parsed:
10:58
